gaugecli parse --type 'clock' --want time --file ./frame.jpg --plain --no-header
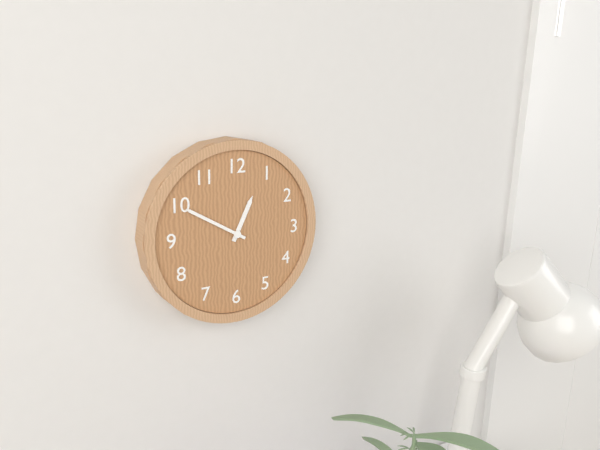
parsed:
12:50
